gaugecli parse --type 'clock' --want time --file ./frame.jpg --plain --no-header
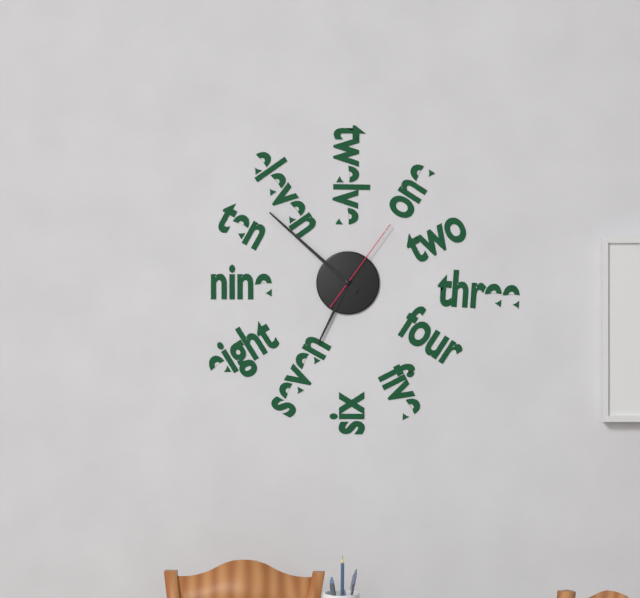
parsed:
6:52:06
